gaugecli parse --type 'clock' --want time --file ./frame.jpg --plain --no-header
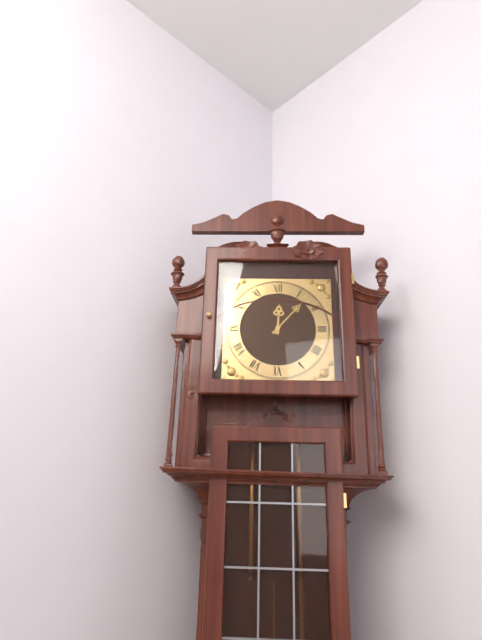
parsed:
12:07
